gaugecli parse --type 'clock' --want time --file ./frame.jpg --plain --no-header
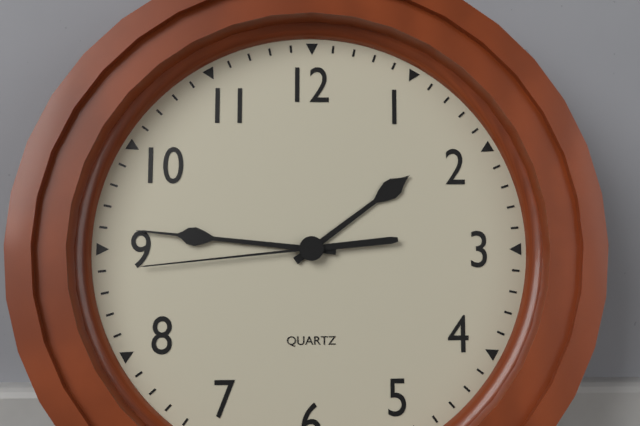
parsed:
1:46:44
